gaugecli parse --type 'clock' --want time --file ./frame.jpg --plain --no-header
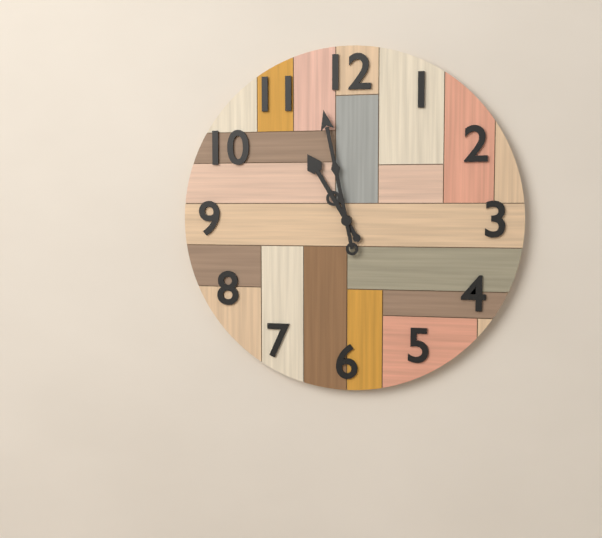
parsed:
10:58
